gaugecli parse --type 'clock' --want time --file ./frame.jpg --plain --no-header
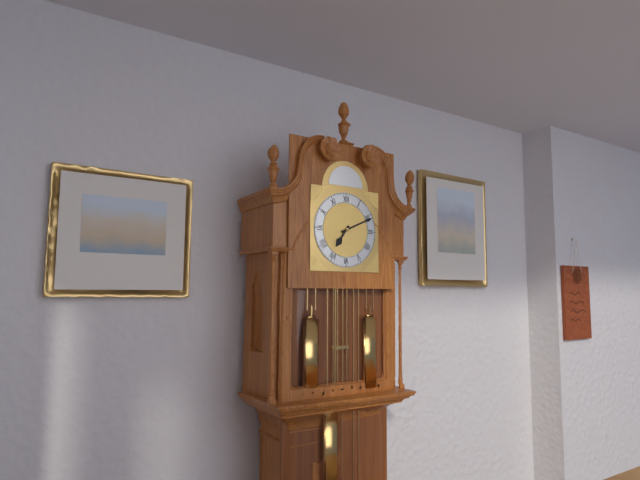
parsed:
7:11
